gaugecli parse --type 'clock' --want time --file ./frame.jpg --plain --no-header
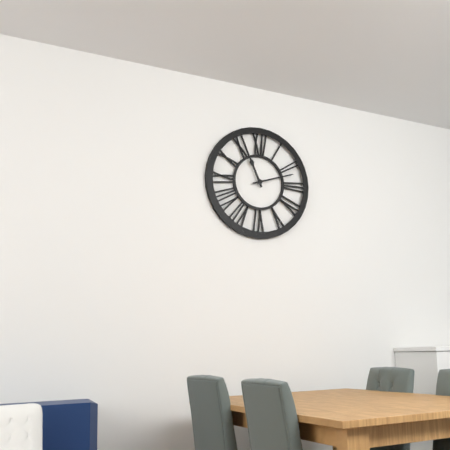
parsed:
11:12
